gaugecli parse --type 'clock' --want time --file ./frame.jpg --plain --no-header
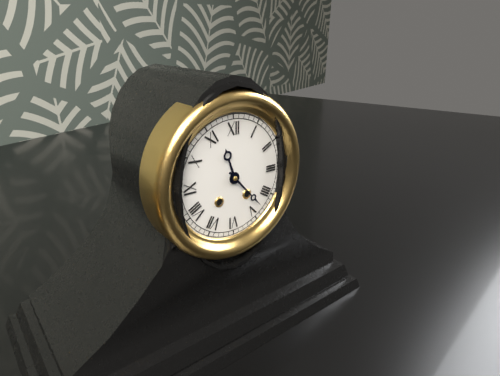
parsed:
11:23
